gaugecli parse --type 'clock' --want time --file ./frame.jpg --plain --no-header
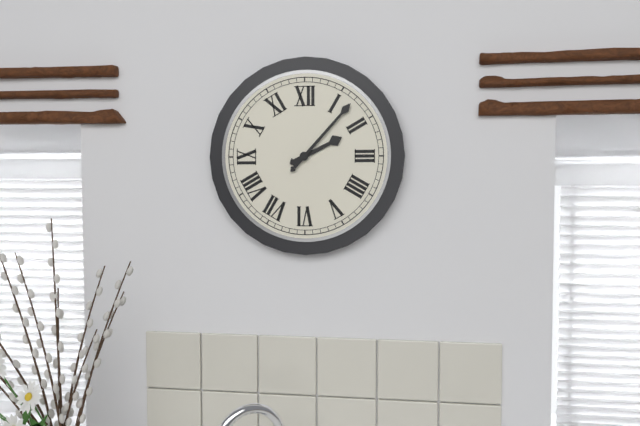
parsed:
2:07
